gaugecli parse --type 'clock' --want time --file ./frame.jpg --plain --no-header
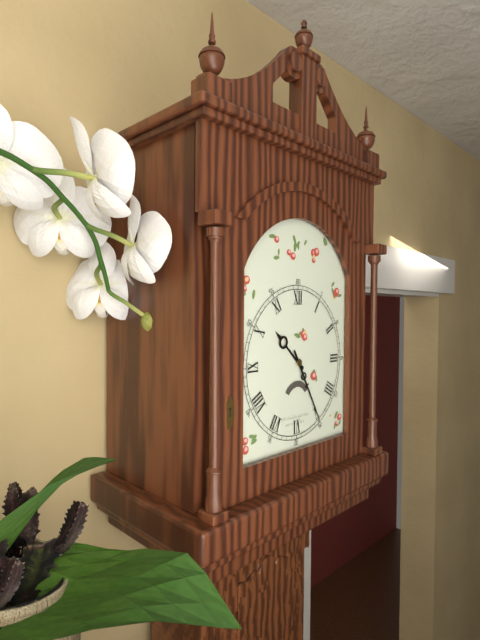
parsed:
10:25
